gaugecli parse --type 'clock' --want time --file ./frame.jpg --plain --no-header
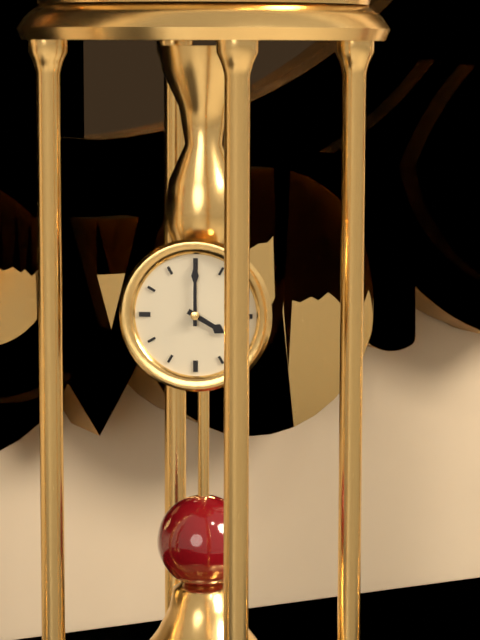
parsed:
4:00
